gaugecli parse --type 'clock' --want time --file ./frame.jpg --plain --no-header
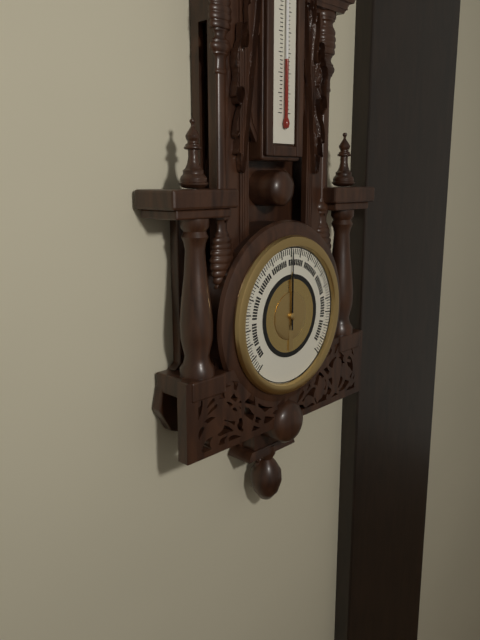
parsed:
12:00
